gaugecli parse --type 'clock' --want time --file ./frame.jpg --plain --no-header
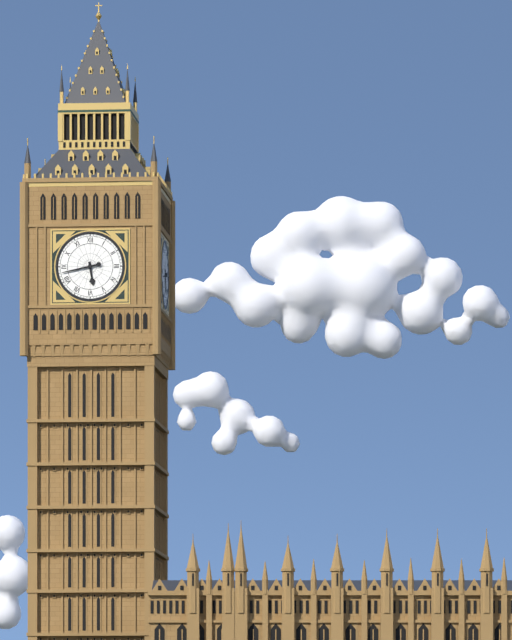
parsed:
5:43
